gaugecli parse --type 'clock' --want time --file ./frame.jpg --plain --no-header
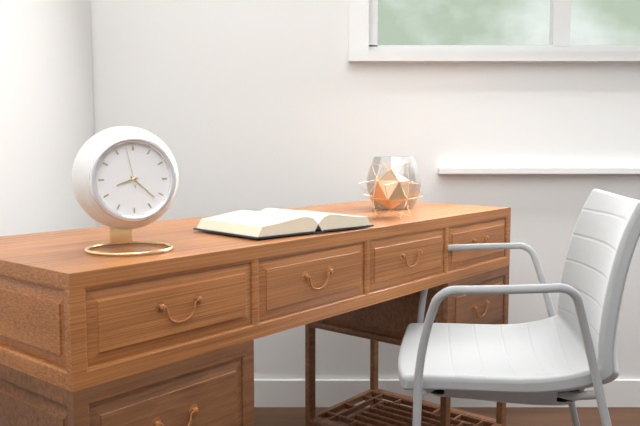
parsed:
8:22
